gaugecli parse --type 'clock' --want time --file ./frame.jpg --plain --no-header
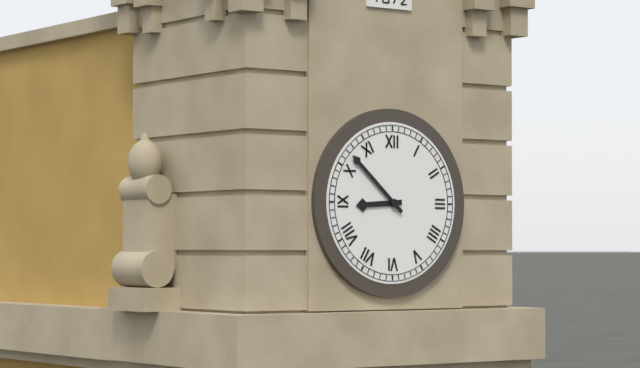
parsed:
8:52
